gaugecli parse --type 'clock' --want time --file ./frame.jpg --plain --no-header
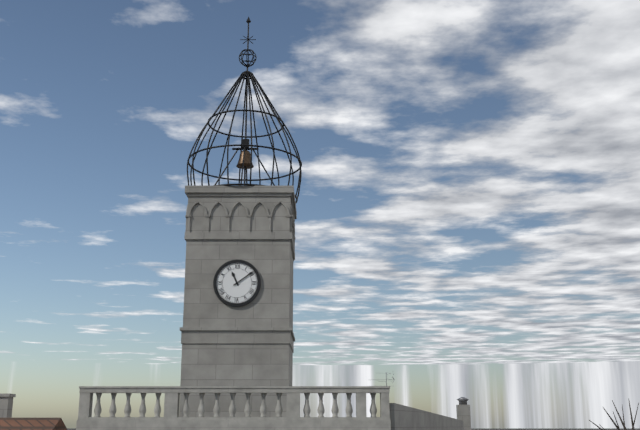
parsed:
11:09
